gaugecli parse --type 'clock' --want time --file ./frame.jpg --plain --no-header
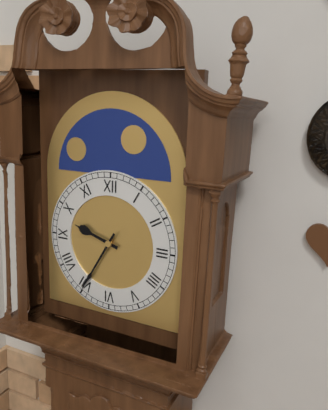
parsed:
9:35
